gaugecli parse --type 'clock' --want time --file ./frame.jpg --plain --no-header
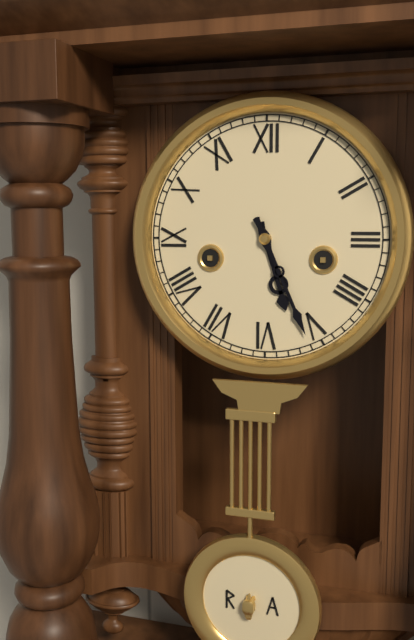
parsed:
5:26
